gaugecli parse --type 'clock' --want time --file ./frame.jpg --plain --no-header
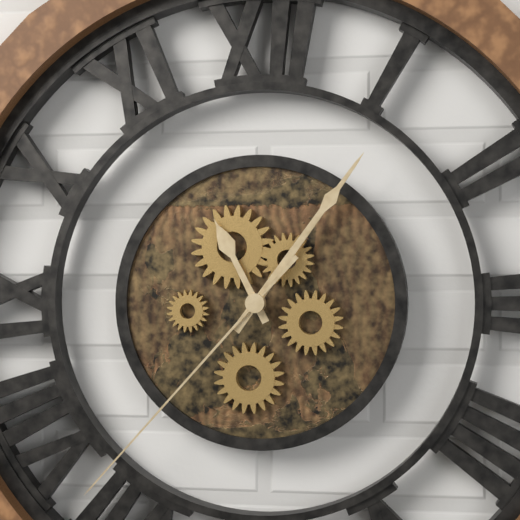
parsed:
11:06:37
